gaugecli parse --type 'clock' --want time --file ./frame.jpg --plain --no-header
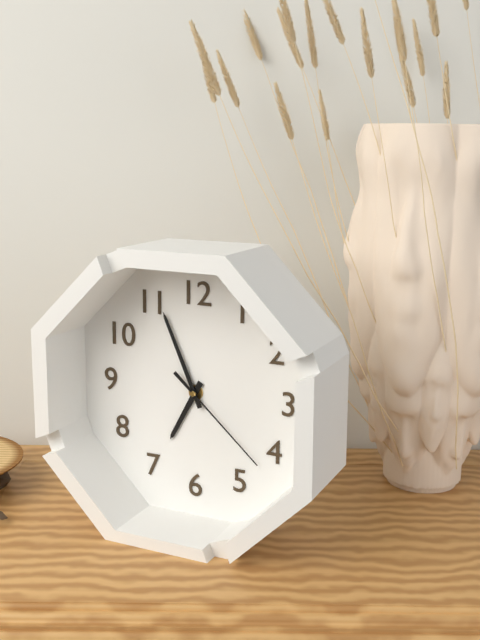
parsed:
6:56:22
